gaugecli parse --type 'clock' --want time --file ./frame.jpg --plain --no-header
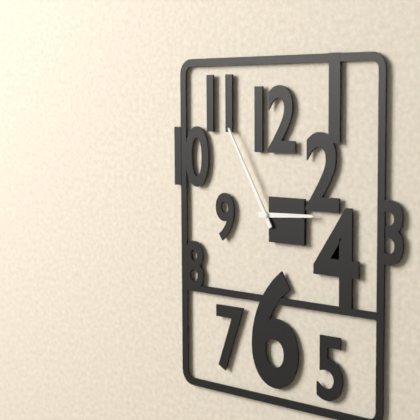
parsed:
2:55
